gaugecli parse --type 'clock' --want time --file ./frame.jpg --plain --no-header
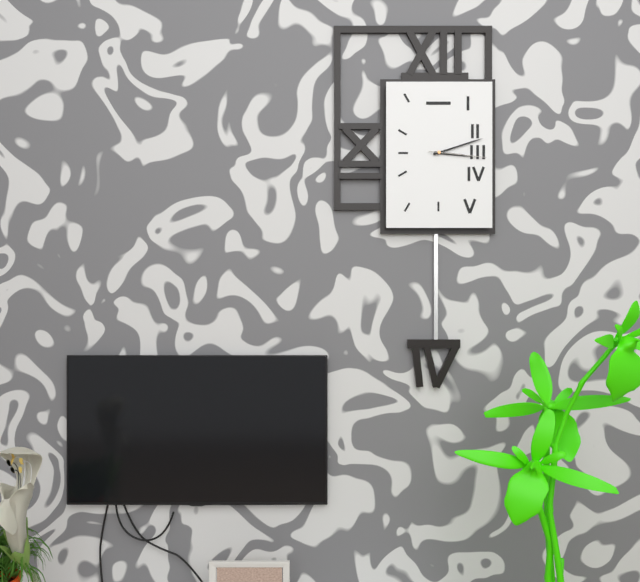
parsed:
3:12:16
